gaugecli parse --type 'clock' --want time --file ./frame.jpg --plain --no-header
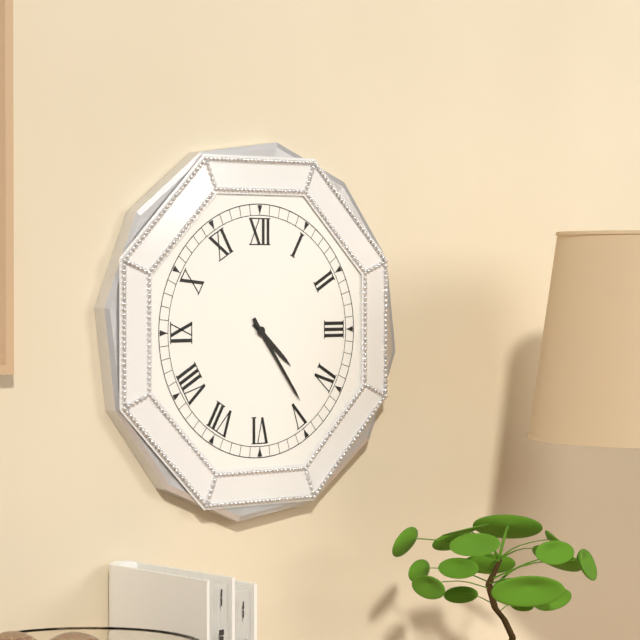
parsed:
4:24
